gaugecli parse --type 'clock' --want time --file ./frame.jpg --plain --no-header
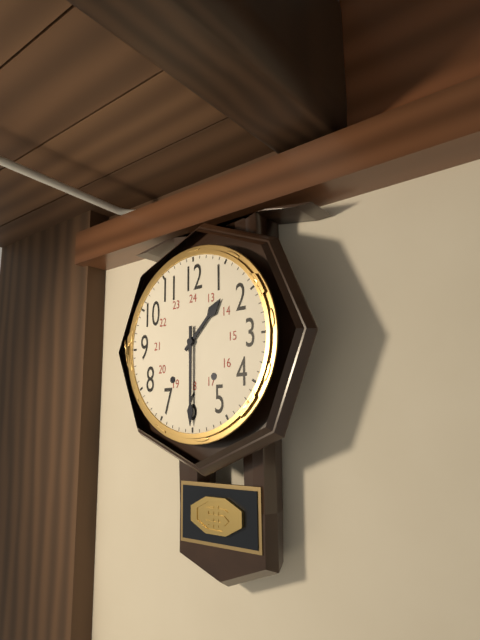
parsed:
1:30
